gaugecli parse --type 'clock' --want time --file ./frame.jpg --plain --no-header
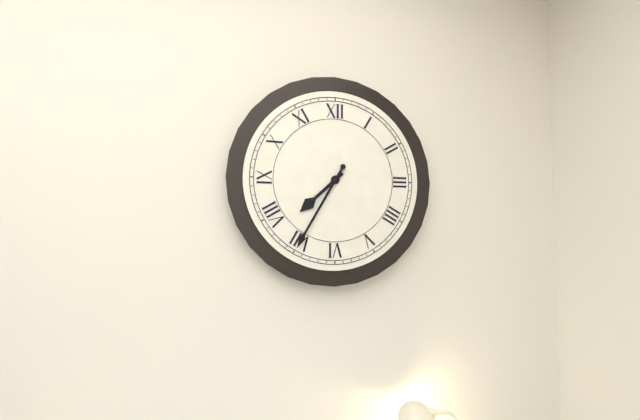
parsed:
7:35
